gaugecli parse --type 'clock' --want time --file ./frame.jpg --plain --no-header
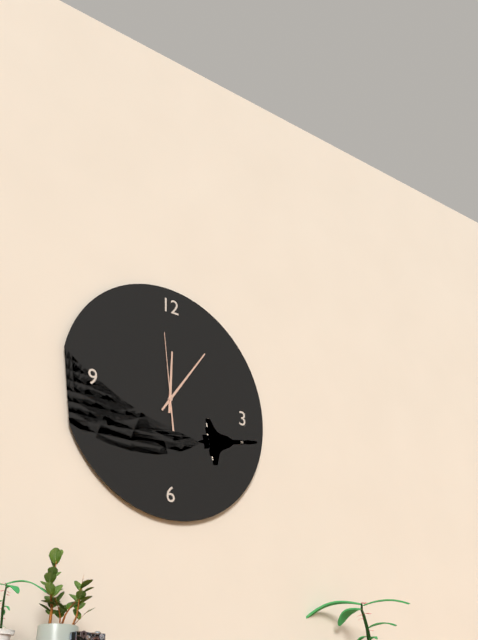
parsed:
12:06:59
